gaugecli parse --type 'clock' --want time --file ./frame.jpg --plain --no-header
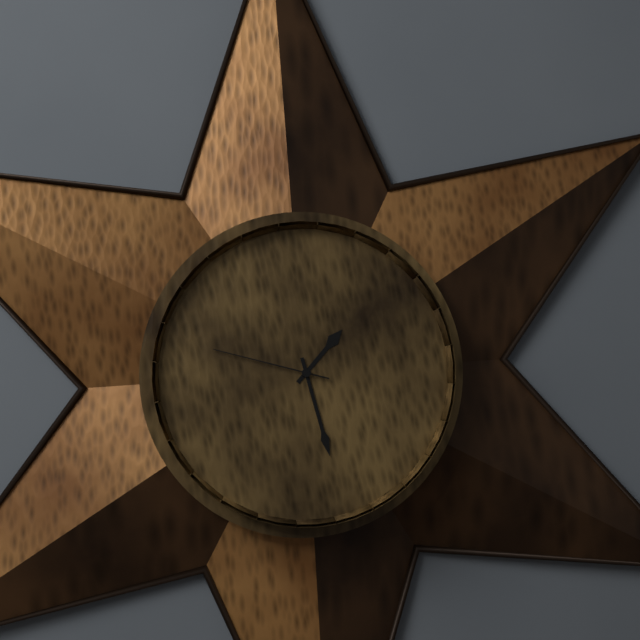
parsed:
1:28:48
